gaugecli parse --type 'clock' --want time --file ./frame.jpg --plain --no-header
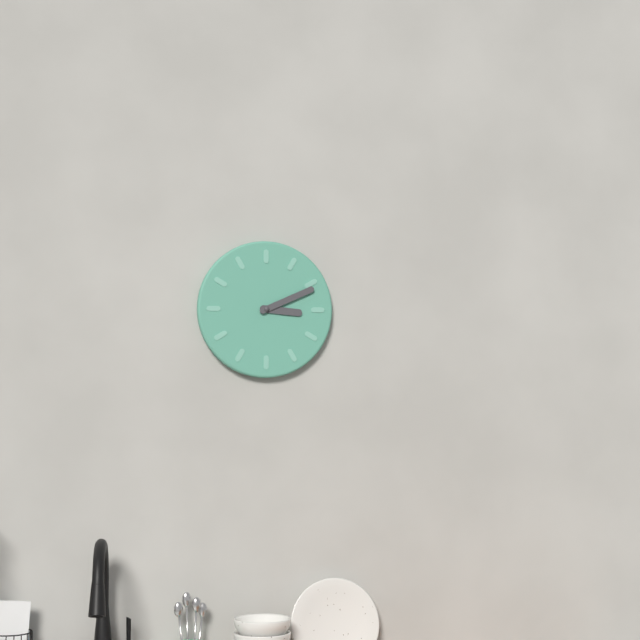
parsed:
3:11
